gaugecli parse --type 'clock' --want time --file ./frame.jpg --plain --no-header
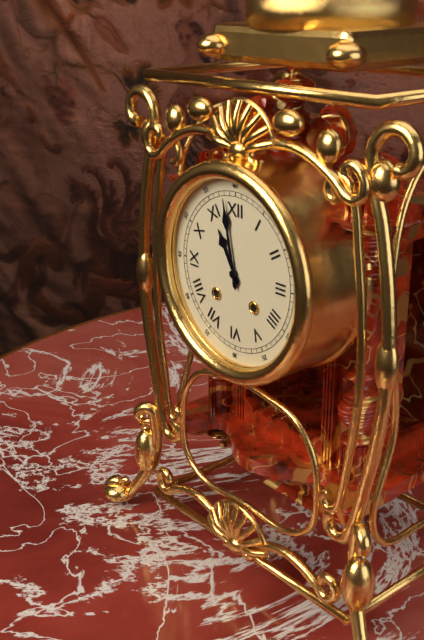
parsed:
10:58
